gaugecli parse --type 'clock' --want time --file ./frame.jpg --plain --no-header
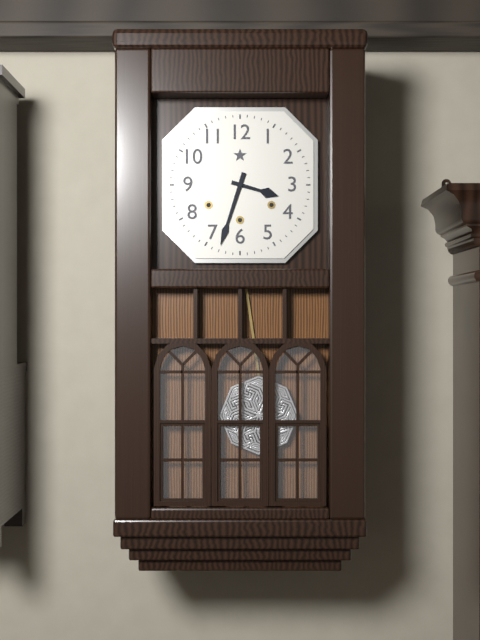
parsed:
3:33
